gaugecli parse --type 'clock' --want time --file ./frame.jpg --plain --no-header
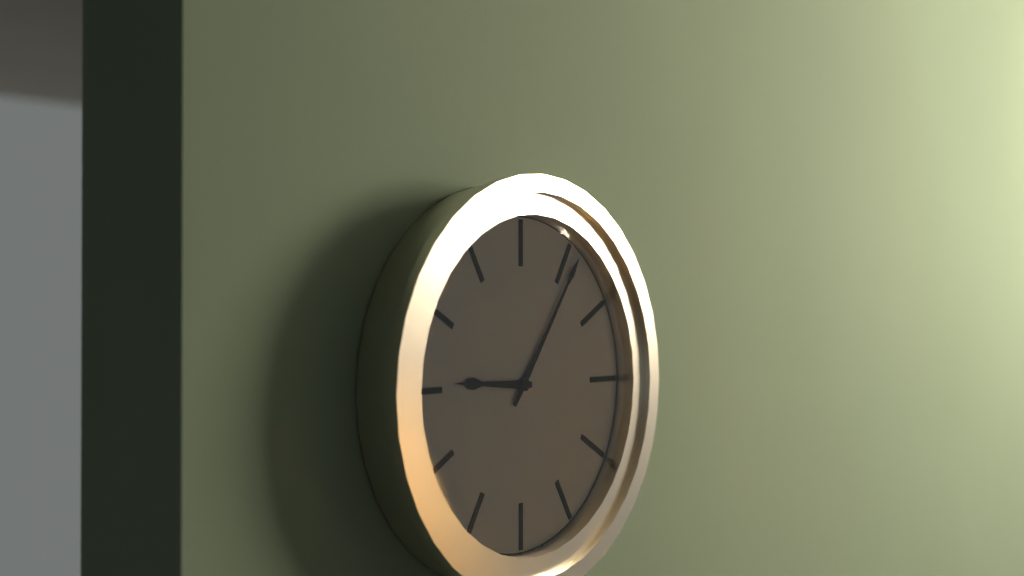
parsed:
9:06
